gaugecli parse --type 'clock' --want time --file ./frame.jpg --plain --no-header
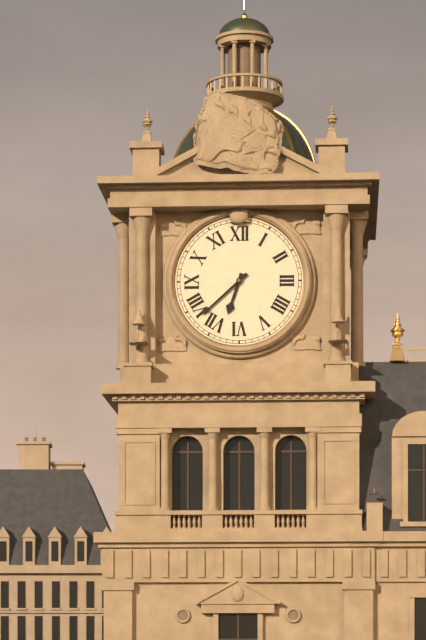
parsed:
6:38
